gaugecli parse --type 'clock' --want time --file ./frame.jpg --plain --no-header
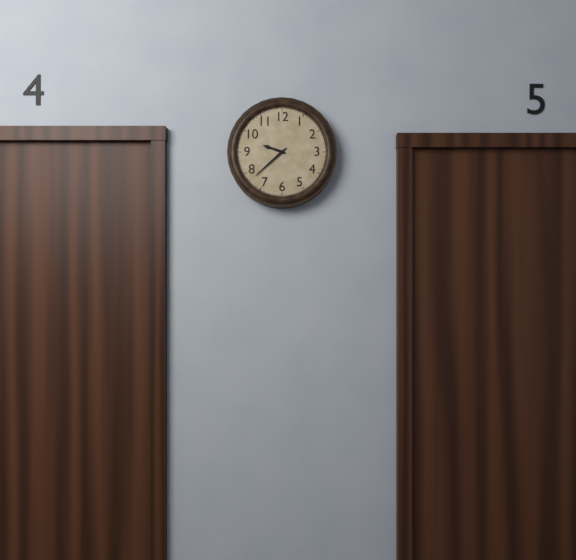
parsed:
9:38
